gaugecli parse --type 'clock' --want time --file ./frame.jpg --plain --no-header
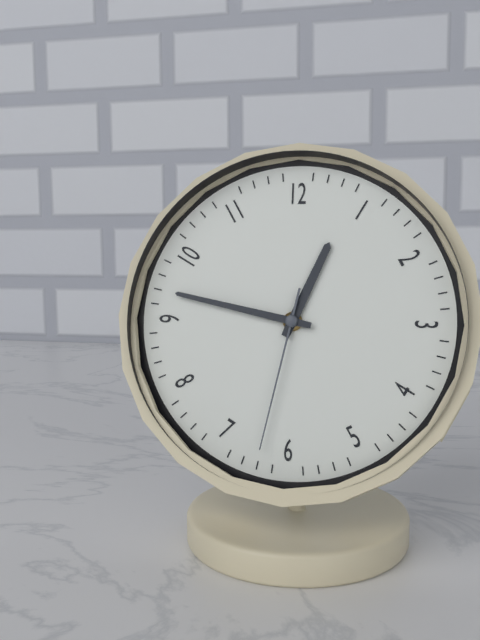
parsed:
12:47:32
